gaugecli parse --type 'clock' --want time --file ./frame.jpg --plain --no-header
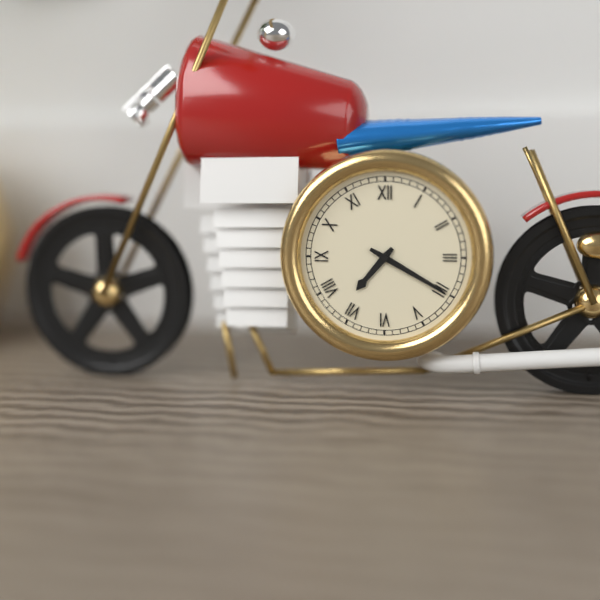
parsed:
7:20
